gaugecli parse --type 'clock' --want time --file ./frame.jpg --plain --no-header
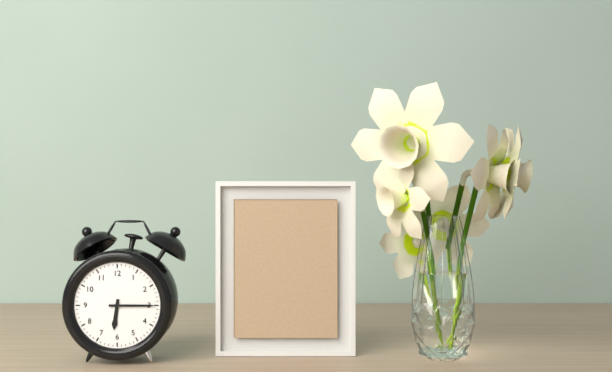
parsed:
6:15
